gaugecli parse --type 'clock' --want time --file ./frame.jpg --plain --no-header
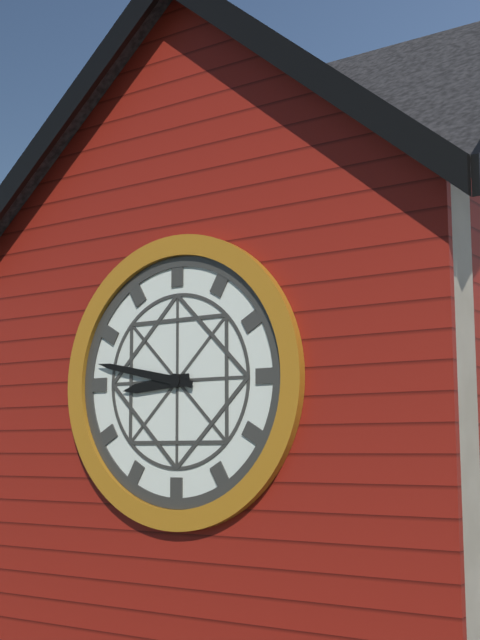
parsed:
8:47
